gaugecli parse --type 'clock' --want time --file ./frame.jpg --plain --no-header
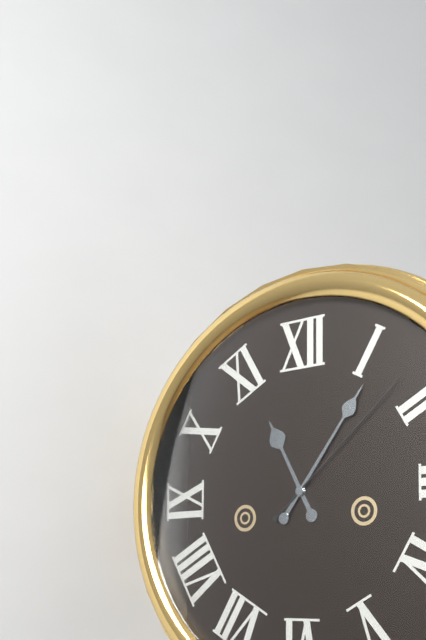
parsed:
11:06:08
